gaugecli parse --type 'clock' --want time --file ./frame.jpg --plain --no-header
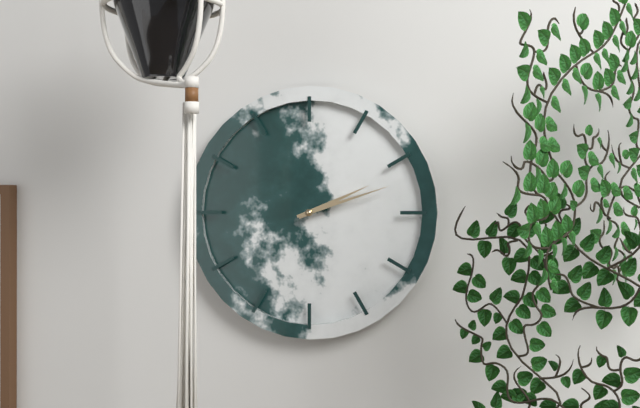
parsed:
2:12
